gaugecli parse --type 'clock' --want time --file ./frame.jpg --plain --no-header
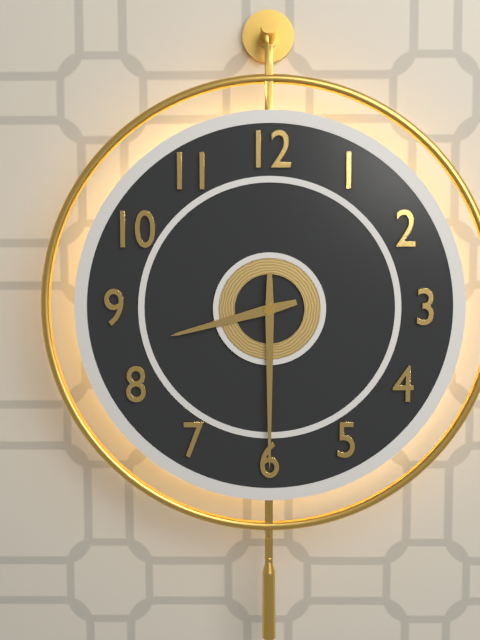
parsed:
8:30
